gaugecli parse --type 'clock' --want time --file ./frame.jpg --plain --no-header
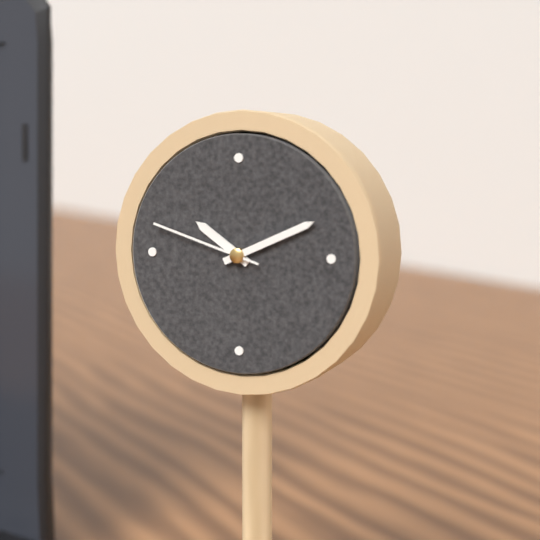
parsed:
10:11:48
